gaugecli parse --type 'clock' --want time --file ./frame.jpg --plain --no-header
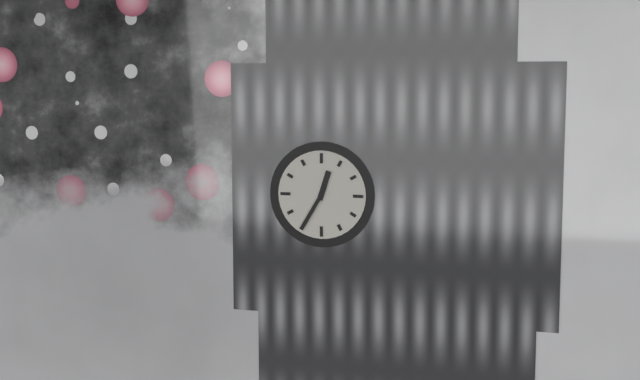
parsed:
12:35
